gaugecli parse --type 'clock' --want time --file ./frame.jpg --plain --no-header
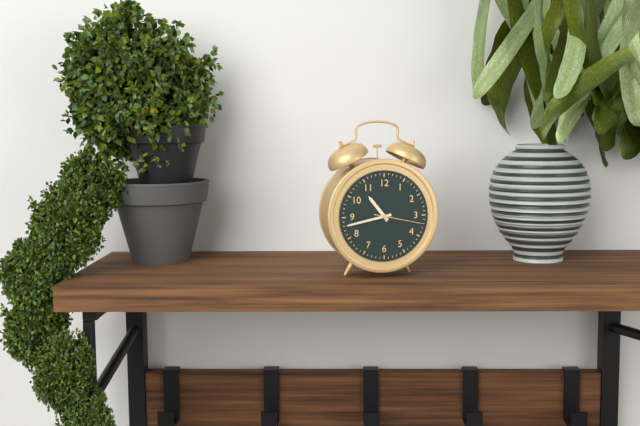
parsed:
10:43
